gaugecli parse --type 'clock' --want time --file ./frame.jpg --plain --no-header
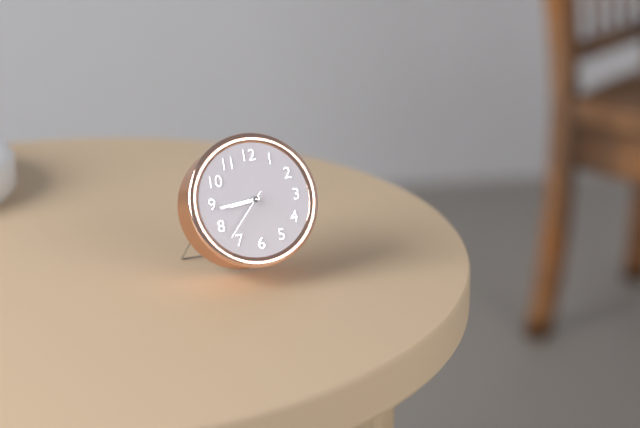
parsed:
8:44:37
